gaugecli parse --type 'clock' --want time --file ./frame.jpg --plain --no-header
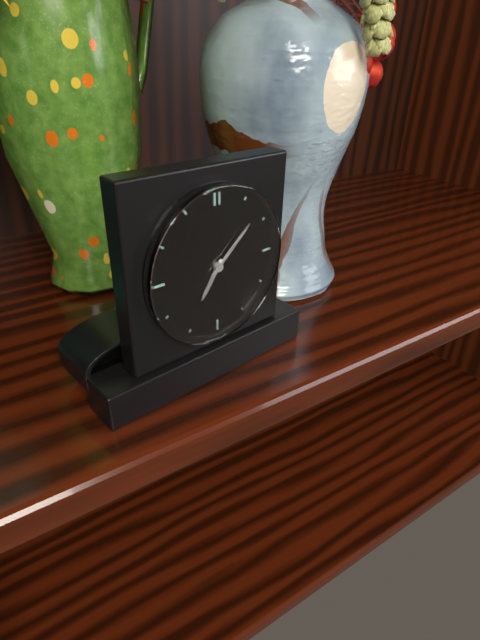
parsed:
7:08
